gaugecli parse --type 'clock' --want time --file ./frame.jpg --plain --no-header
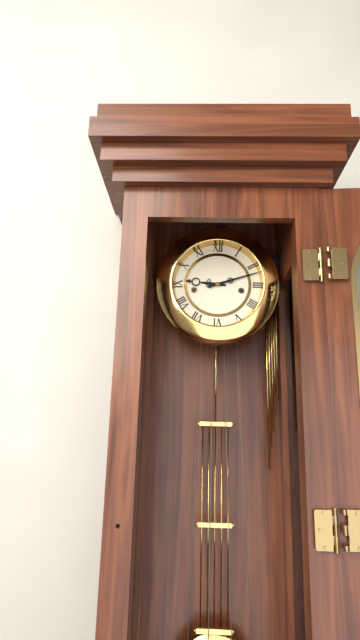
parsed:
9:12
